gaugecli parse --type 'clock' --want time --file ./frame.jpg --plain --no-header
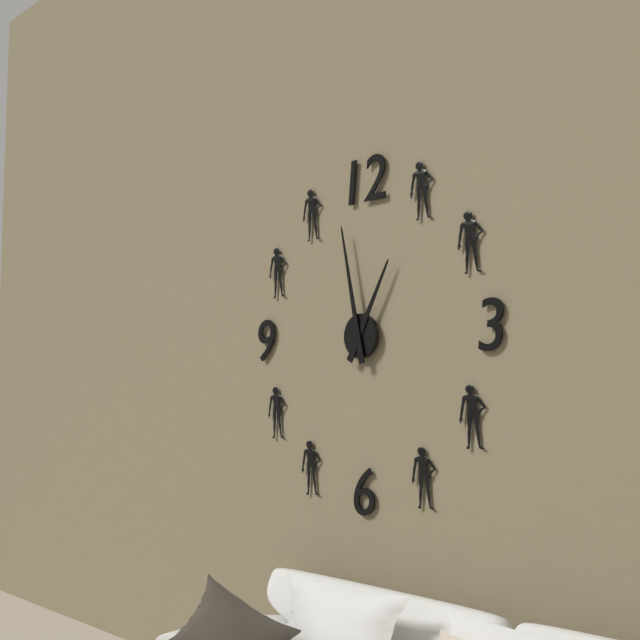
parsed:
12:58
